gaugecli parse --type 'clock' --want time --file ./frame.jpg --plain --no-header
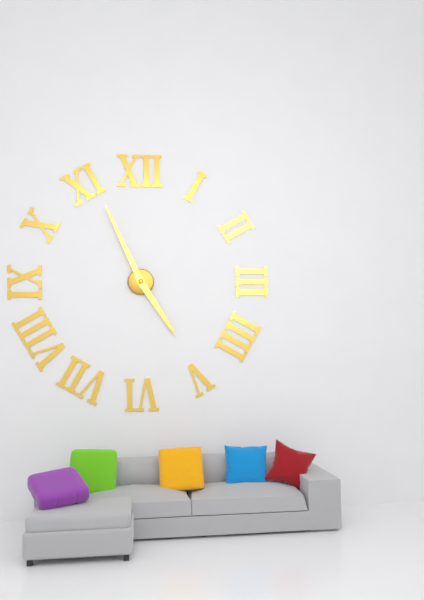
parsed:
4:56
